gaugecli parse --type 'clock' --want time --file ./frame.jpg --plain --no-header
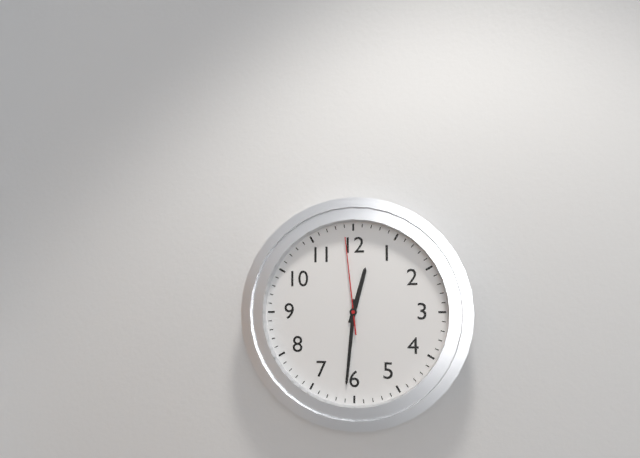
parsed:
12:31:59
